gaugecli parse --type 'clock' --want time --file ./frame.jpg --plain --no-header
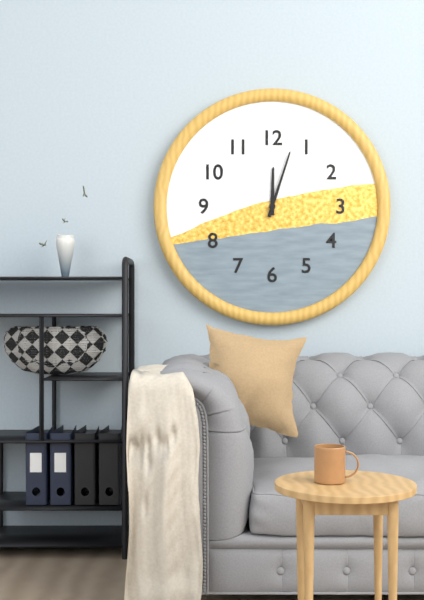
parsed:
12:03
